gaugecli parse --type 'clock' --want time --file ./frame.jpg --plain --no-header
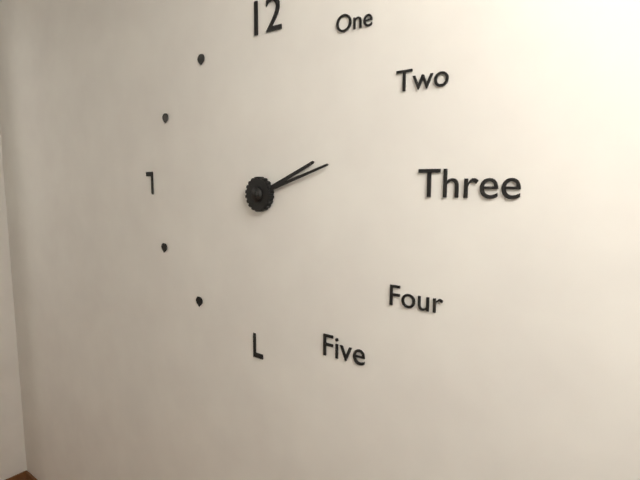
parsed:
2:12
